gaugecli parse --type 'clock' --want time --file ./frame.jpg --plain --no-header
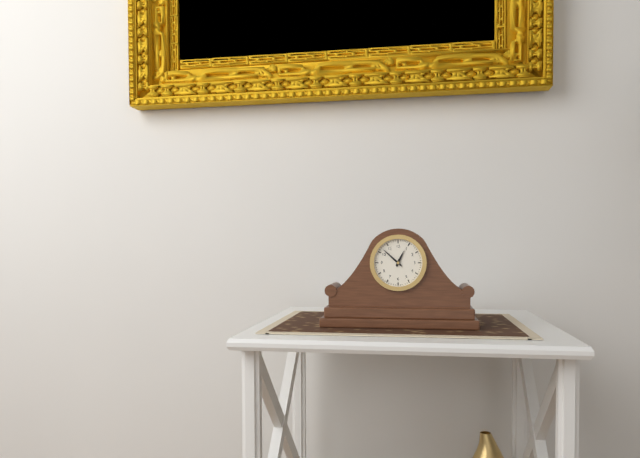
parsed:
12:52
